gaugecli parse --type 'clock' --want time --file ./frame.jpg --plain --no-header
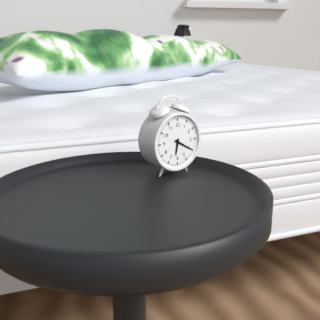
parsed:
6:20
